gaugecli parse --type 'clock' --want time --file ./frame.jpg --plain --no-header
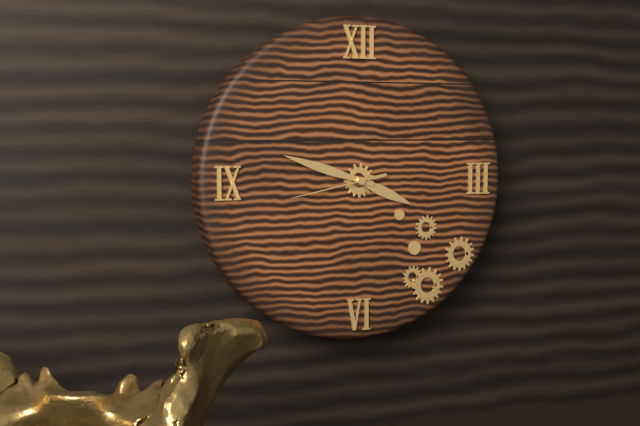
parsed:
3:48:43
